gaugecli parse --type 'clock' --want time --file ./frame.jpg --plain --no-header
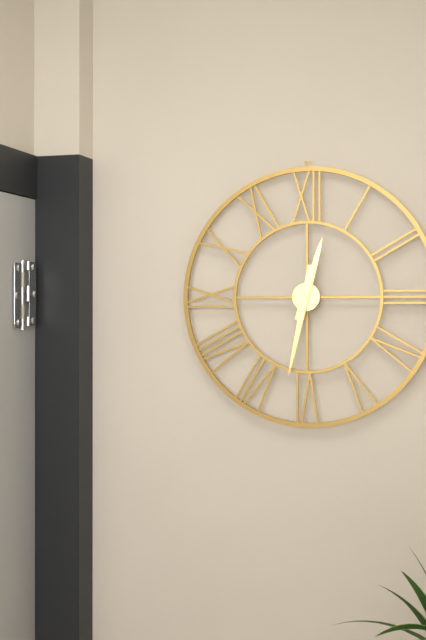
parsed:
12:32
